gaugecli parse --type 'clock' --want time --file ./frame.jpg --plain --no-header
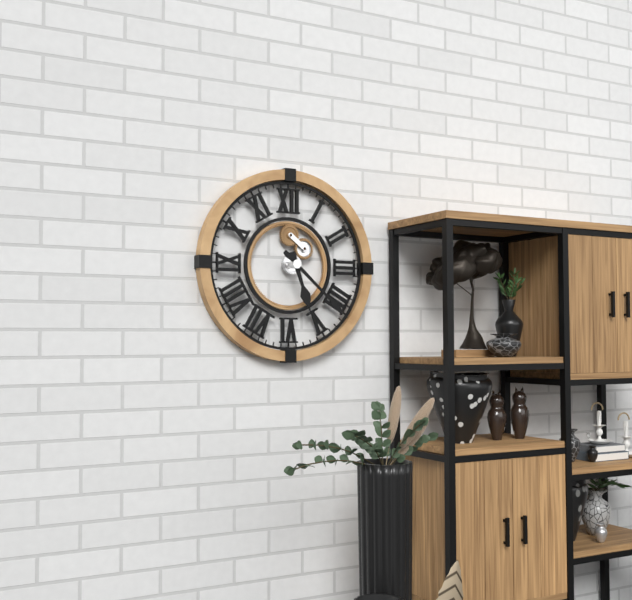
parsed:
5:22
